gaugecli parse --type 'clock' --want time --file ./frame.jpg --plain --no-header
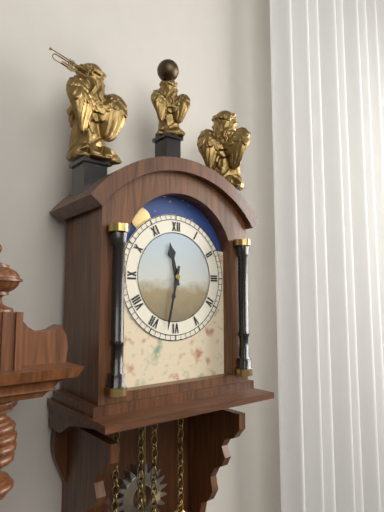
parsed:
11:32
